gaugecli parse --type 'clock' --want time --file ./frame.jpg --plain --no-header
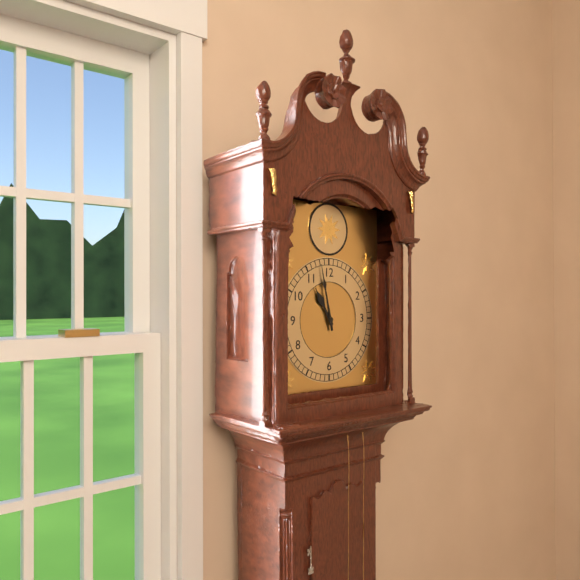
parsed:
10:58
